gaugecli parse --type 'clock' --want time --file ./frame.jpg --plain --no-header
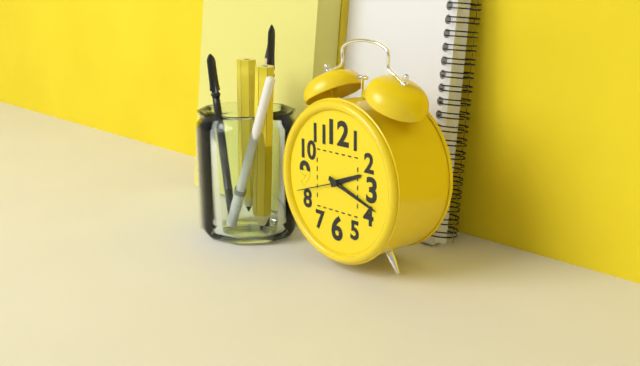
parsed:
2:18:42
